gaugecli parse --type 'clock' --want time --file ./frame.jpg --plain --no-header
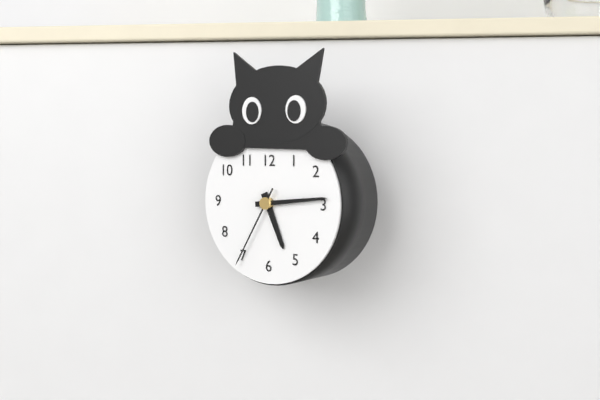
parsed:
5:14:35
